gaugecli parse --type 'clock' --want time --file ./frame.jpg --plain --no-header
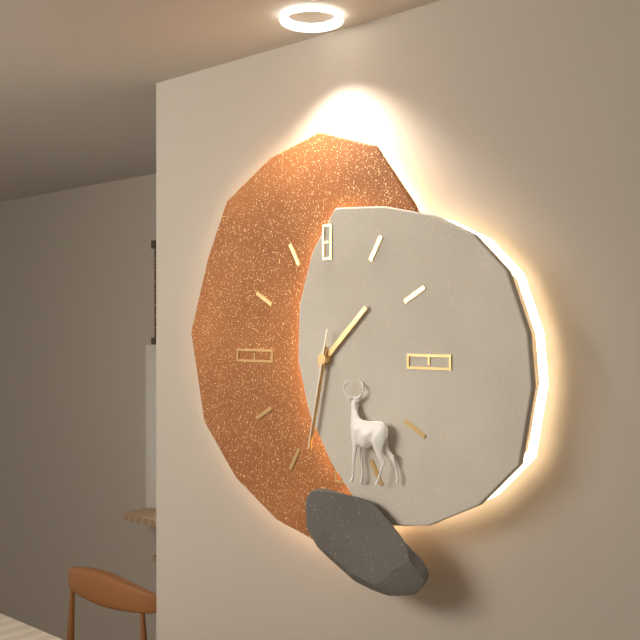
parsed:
1:32:32
